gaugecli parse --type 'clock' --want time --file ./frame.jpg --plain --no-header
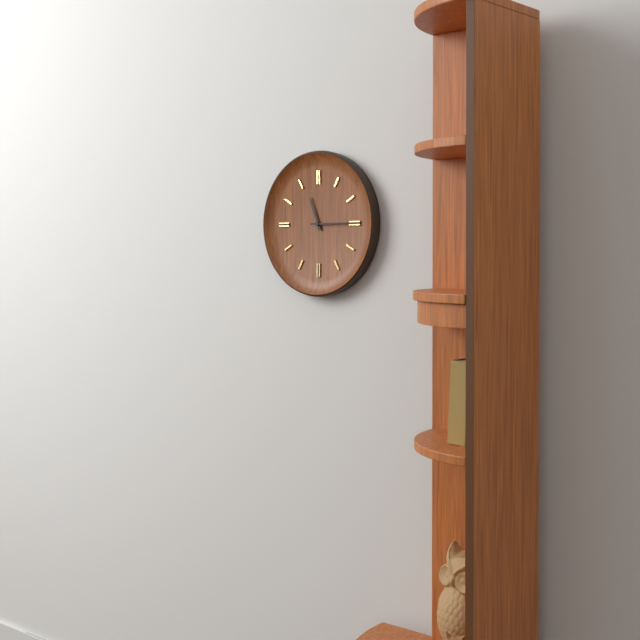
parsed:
11:15
